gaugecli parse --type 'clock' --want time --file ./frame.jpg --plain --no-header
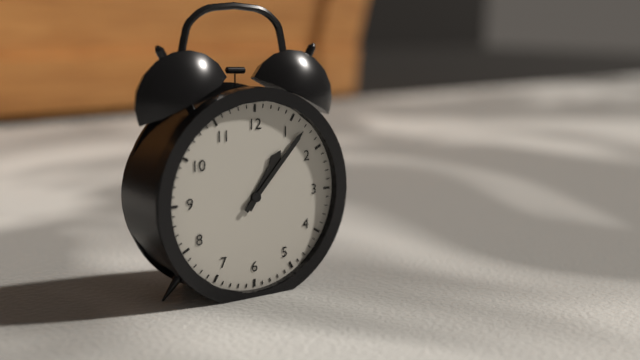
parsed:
1:07
